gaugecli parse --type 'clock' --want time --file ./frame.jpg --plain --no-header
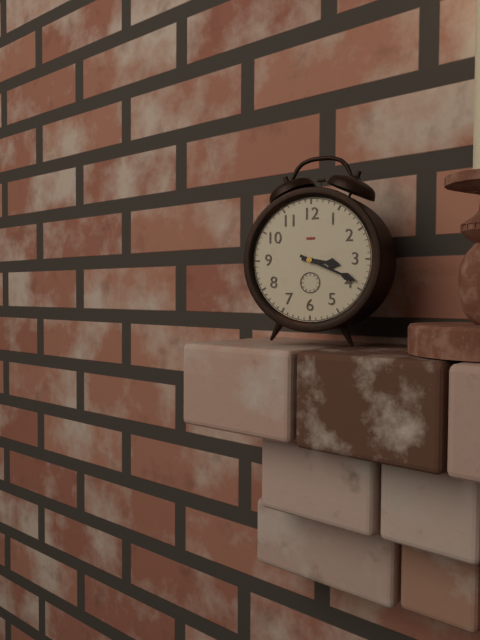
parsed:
3:19
